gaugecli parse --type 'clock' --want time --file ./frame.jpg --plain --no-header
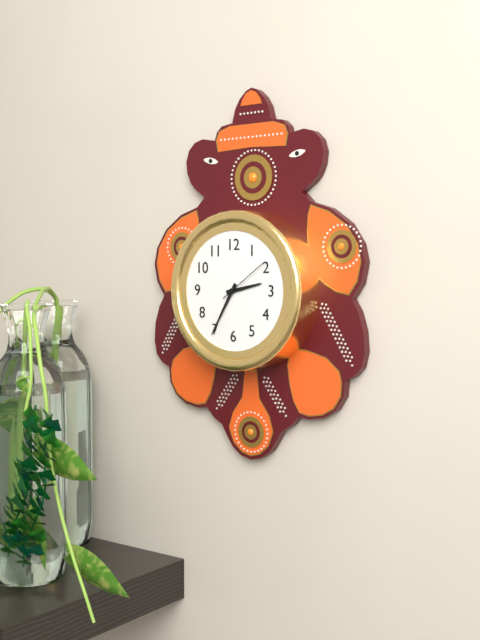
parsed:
2:35:09
